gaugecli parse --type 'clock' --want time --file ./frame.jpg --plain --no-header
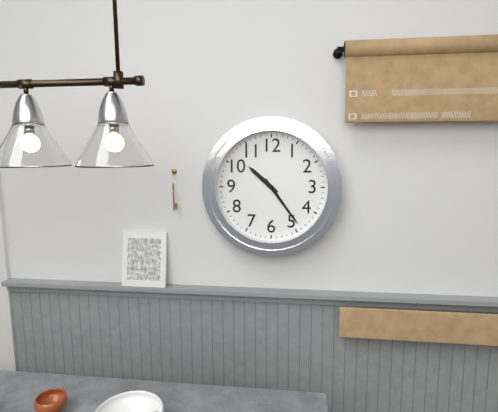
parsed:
10:24
